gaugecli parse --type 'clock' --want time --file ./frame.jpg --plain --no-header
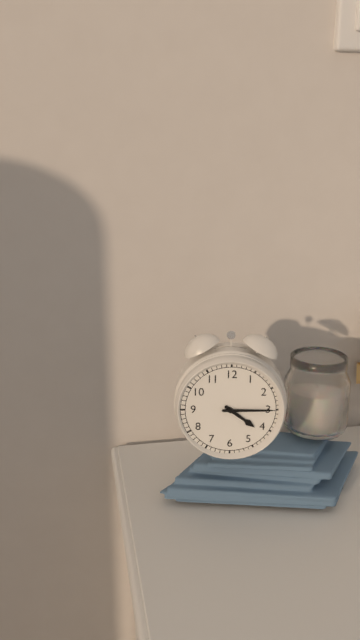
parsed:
4:15
